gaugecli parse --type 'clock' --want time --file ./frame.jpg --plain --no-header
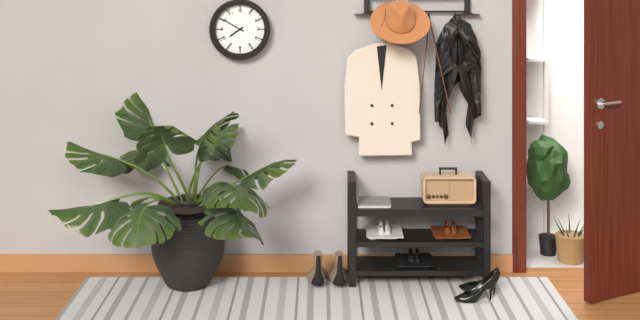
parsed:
7:50
